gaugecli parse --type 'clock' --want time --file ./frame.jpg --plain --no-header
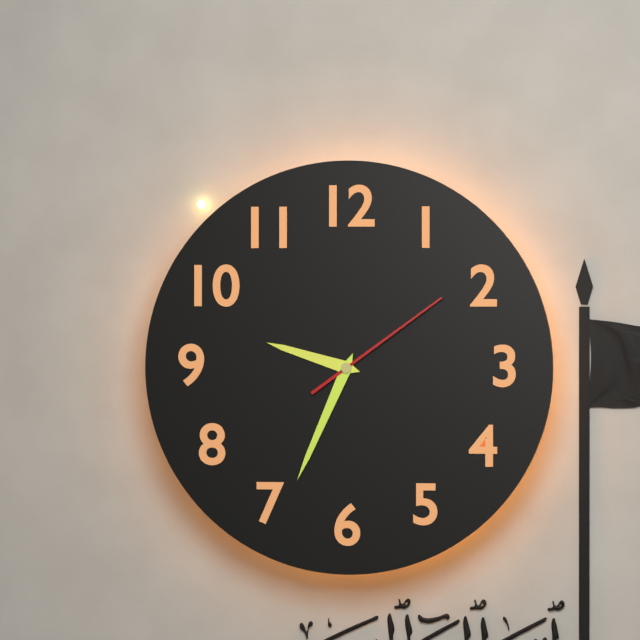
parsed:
9:34:09
